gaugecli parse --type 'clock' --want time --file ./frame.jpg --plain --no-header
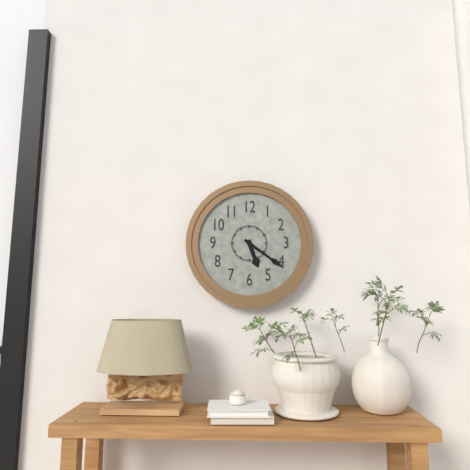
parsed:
5:21
